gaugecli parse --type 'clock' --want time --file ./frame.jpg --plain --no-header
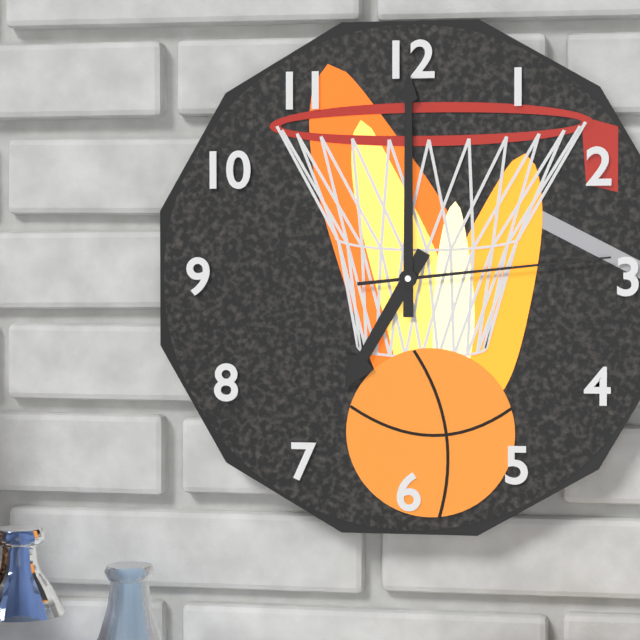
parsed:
7:00:14
